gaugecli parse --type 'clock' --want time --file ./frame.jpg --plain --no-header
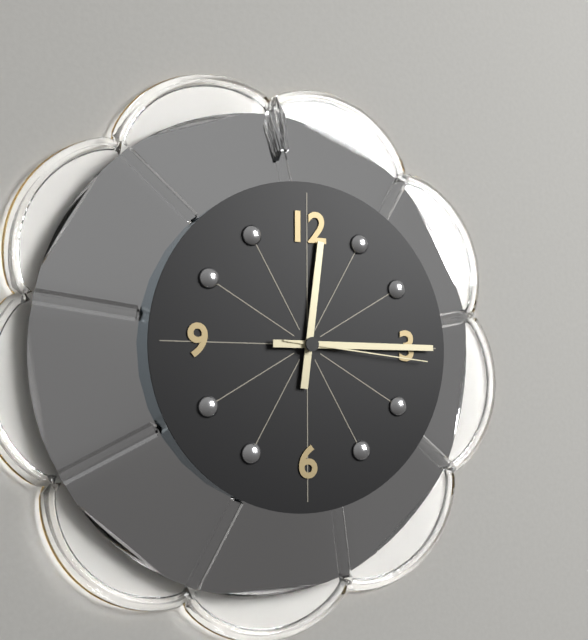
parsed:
12:15:16
